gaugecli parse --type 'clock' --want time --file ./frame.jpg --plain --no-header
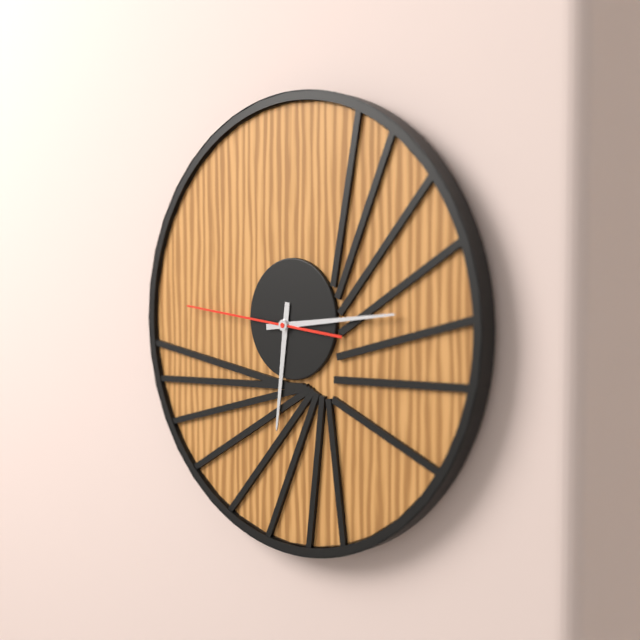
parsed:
6:14:46
